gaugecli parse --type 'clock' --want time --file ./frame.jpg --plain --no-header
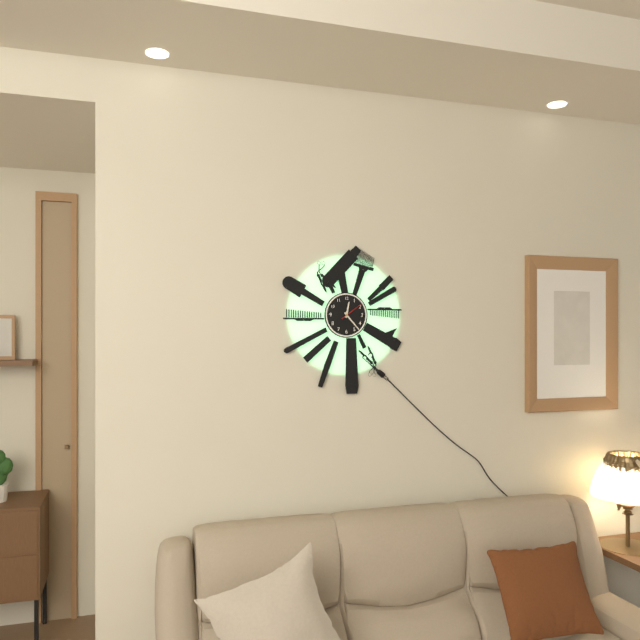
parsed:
12:23
